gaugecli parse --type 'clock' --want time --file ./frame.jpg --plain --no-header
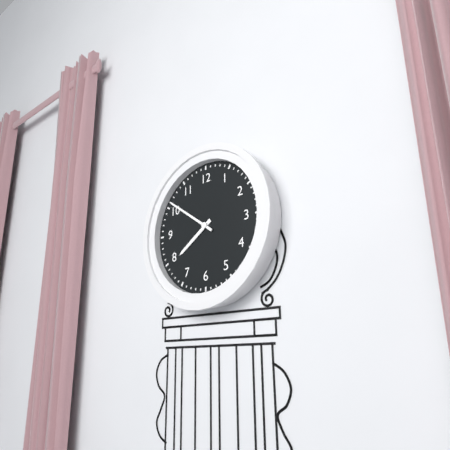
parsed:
7:51
